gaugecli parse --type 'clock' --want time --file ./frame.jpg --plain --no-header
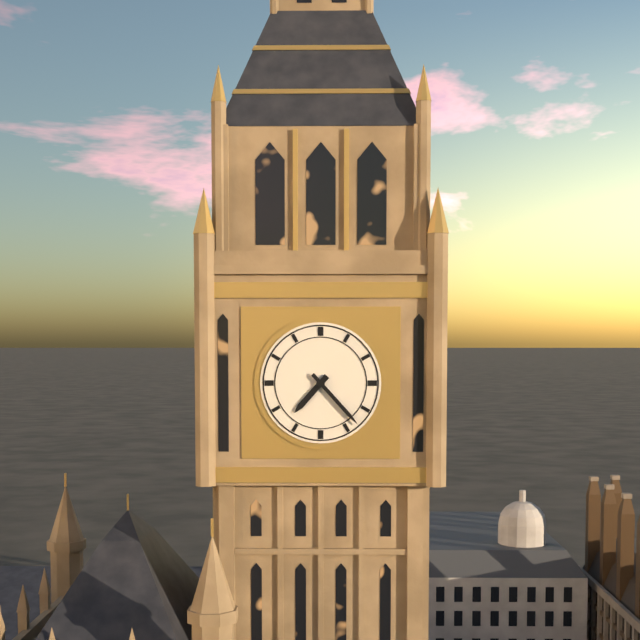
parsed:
7:23
